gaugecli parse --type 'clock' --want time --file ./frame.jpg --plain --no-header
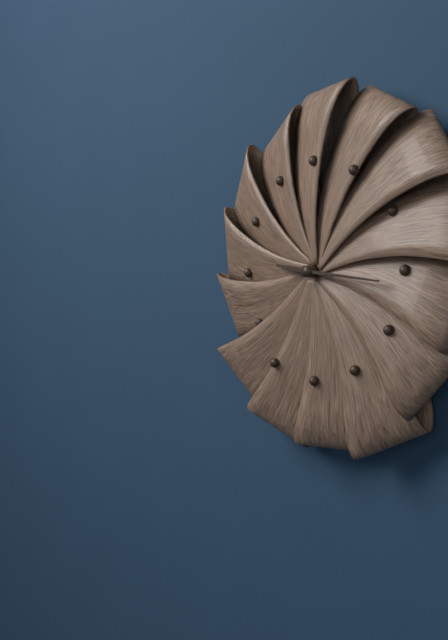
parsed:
9:16
